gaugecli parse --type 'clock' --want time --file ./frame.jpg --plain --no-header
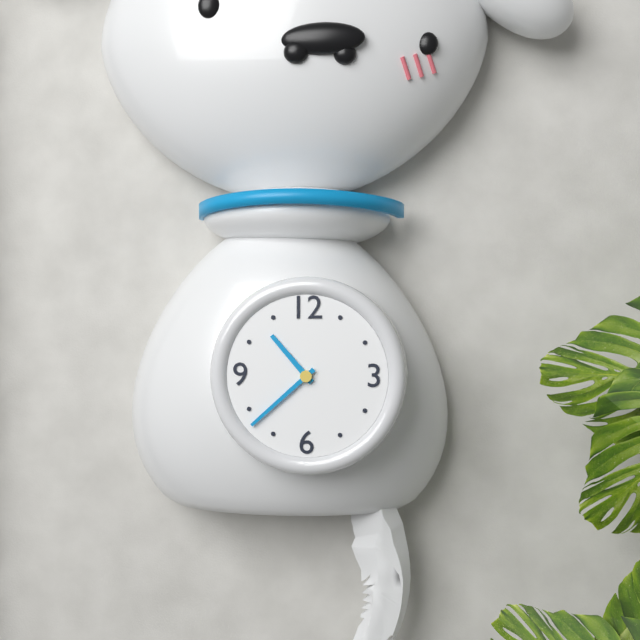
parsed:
10:38
